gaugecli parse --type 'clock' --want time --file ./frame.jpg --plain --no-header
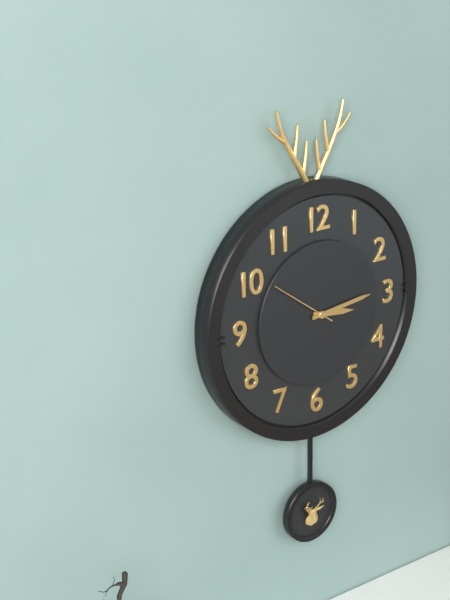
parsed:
3:14
